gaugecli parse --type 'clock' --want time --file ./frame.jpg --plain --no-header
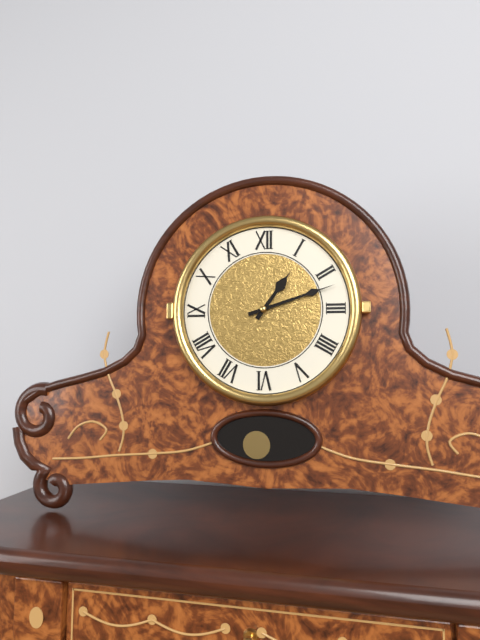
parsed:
1:12
